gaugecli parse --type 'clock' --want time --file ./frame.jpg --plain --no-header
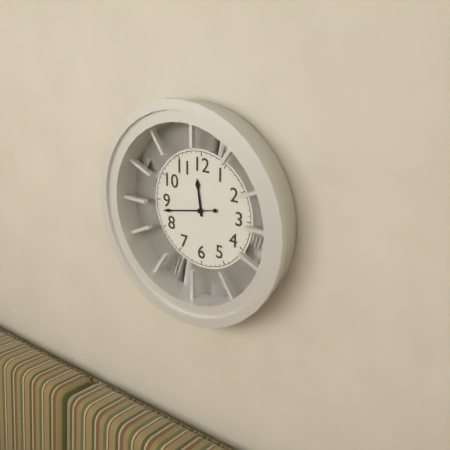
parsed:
11:43
